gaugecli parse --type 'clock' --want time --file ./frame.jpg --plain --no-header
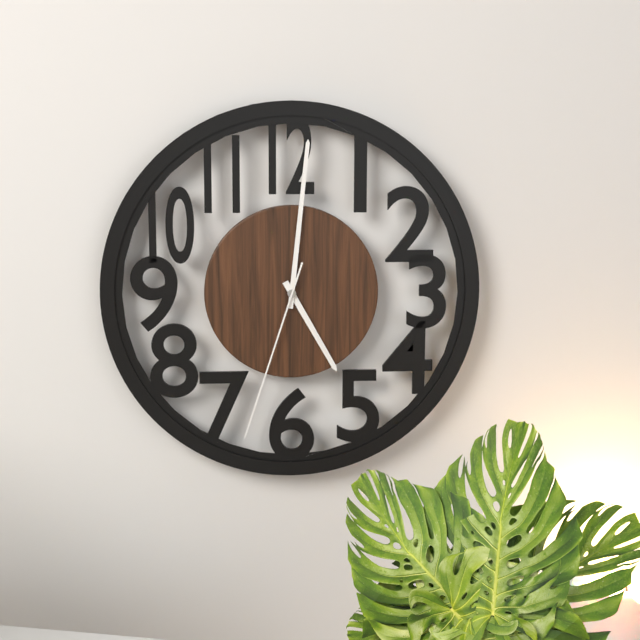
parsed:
5:01:33
